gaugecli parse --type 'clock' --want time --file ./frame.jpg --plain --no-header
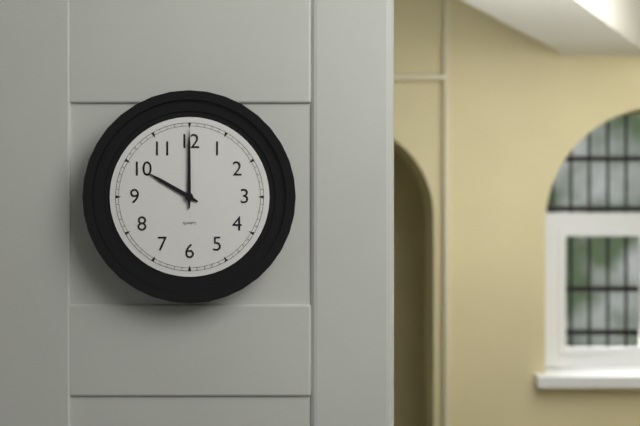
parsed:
10:00
